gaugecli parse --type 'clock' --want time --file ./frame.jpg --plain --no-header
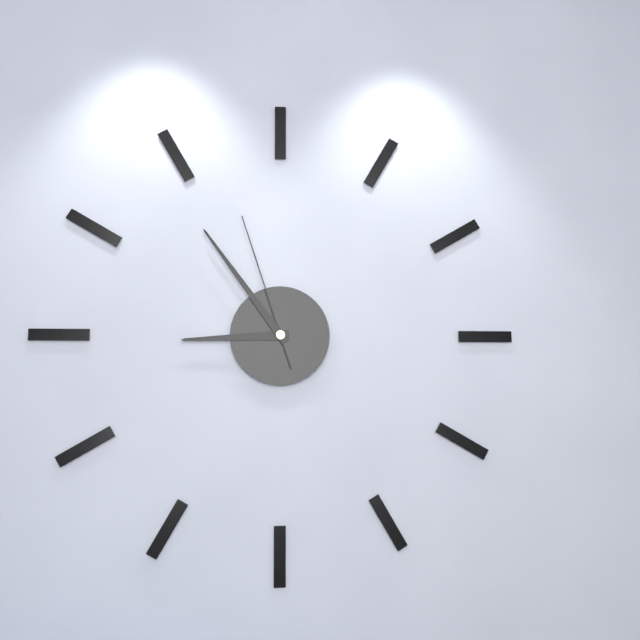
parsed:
8:54:57
